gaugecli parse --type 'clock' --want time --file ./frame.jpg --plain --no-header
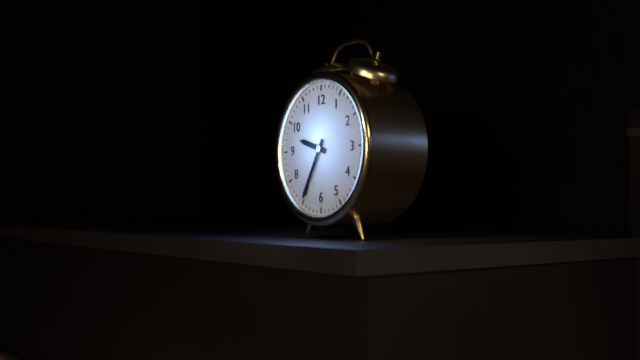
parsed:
9:35
